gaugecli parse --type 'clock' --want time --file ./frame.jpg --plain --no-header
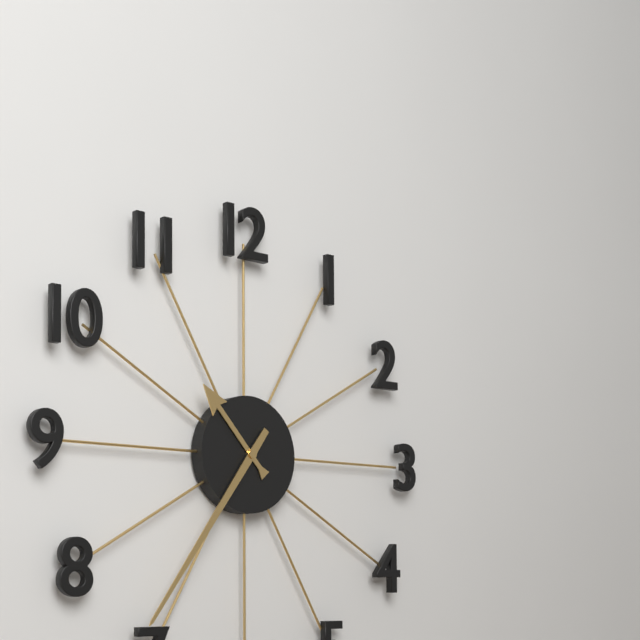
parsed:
10:36
